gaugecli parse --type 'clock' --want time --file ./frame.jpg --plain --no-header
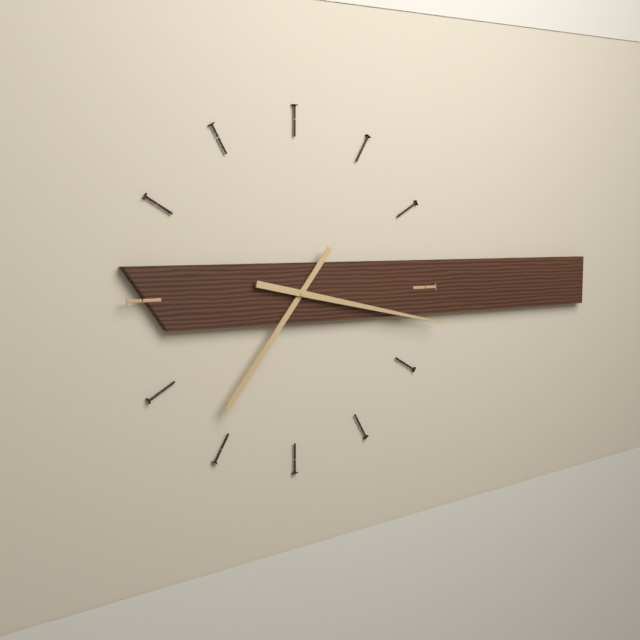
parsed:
7:17
